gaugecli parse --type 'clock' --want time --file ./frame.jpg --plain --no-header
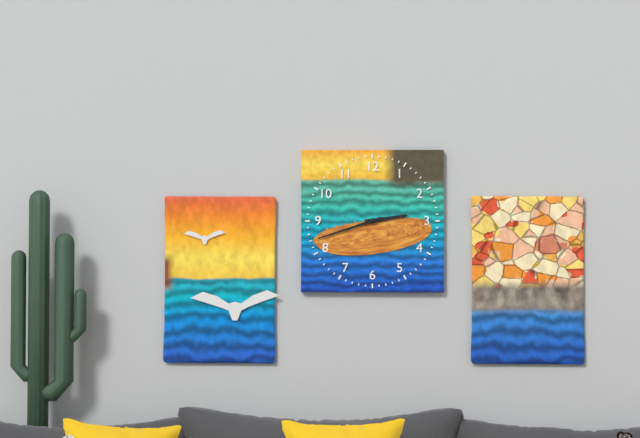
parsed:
2:42
